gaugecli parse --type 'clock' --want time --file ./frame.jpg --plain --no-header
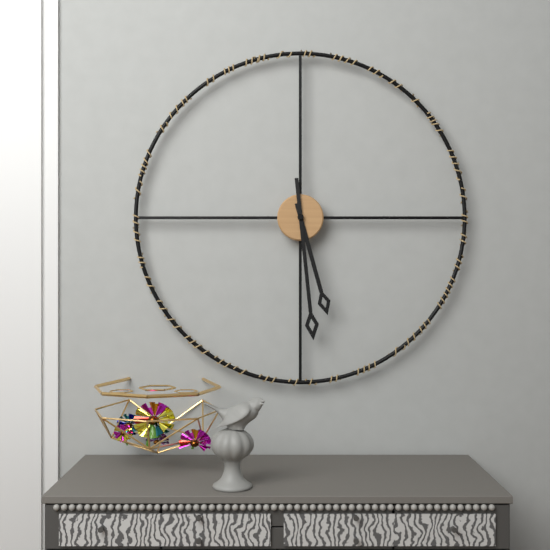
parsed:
5:29
